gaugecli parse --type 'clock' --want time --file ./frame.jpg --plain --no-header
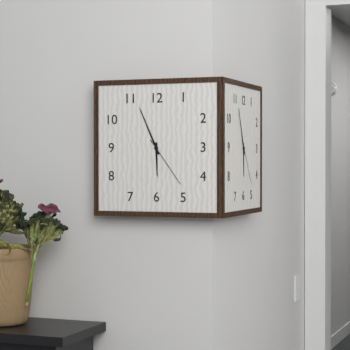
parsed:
5:56:24
